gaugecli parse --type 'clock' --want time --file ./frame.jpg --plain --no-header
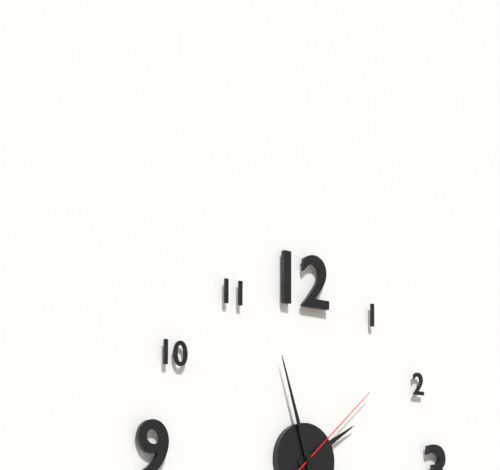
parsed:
1:57:08
